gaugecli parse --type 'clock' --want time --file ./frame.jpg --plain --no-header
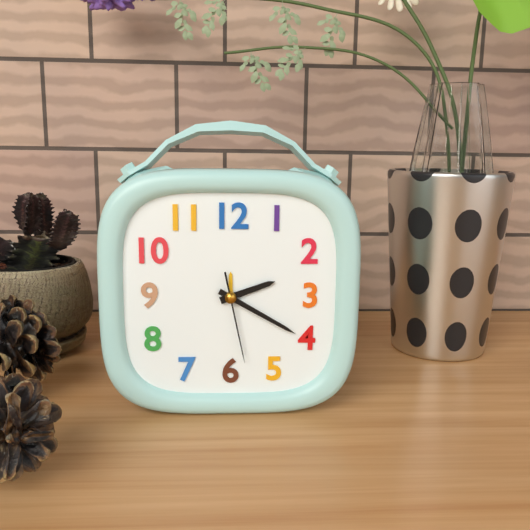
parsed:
2:20:28
